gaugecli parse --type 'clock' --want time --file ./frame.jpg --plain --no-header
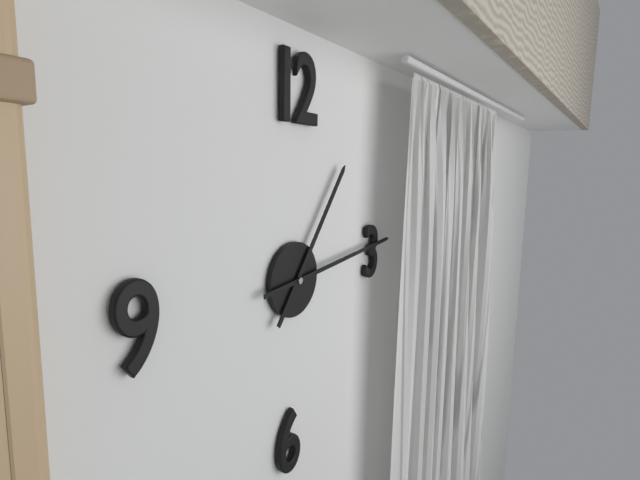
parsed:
1:14
